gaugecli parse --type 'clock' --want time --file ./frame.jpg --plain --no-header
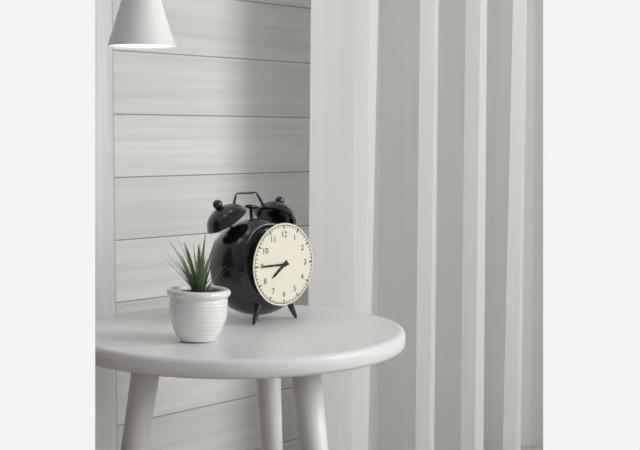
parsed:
7:45
